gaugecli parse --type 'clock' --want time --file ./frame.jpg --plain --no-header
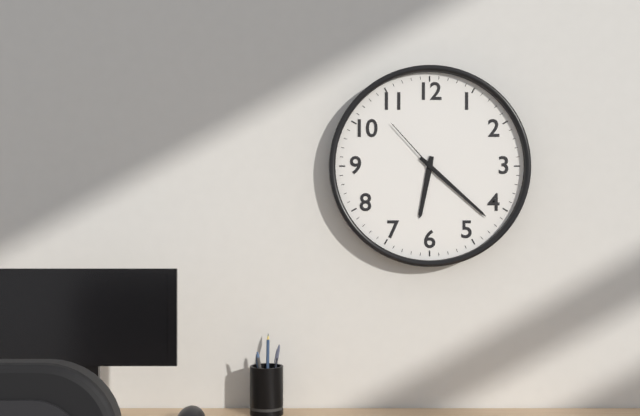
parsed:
6:22:53
